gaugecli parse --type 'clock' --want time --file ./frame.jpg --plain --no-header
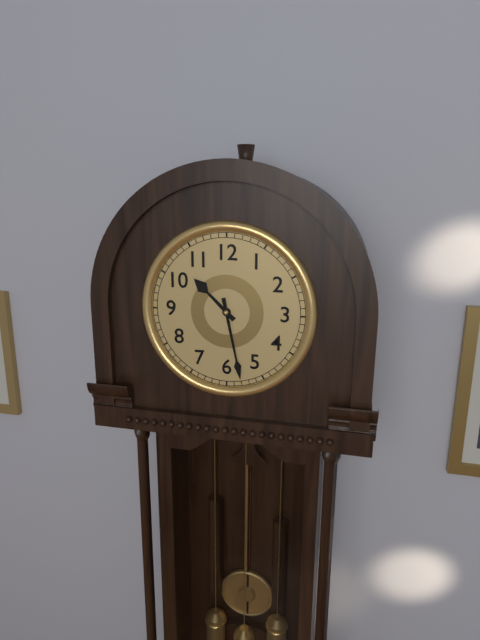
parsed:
10:28
